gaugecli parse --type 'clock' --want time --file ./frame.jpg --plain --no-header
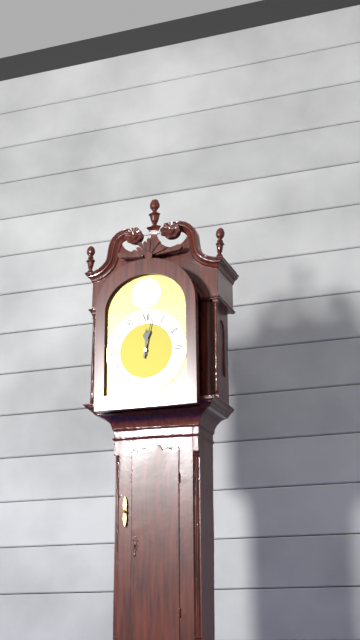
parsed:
12:02
